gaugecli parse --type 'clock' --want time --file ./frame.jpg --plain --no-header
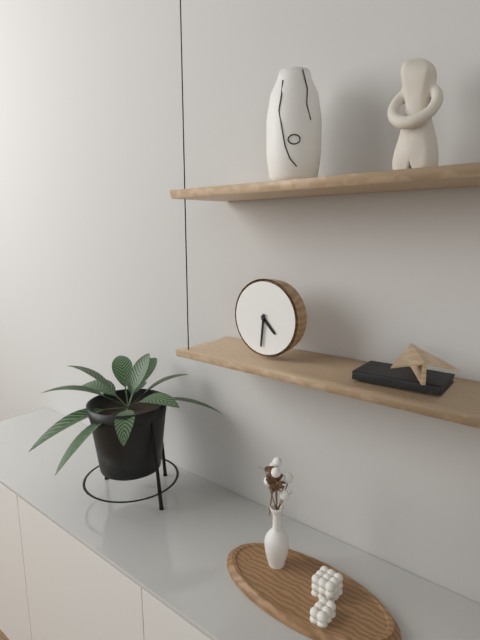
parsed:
4:31
